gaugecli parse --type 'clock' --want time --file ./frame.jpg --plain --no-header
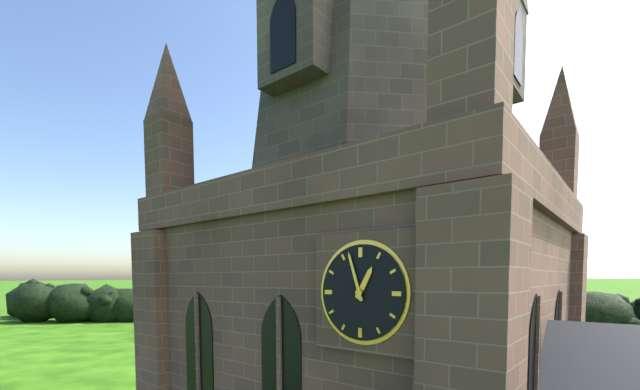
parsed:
12:57
